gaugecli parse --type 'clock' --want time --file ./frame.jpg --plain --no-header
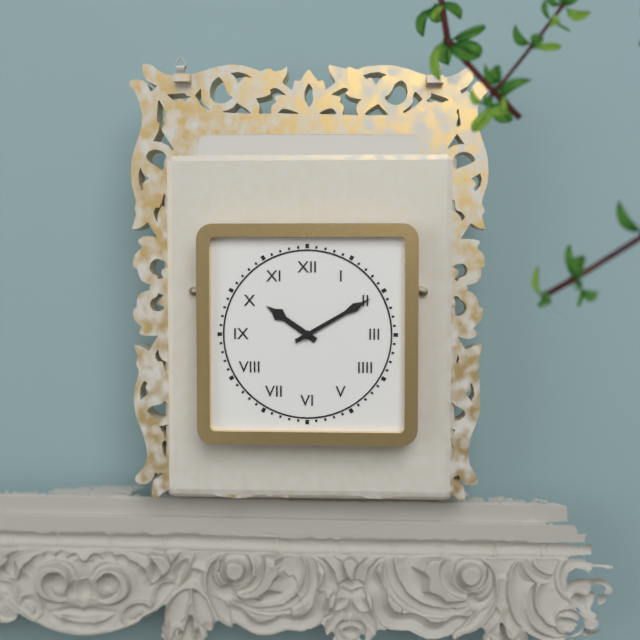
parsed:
10:10
